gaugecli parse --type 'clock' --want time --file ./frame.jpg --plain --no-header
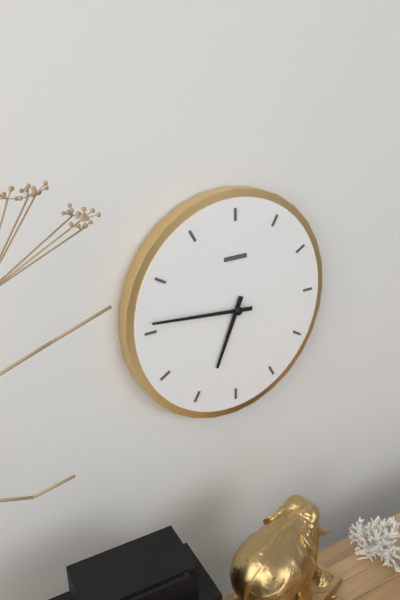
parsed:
6:46
